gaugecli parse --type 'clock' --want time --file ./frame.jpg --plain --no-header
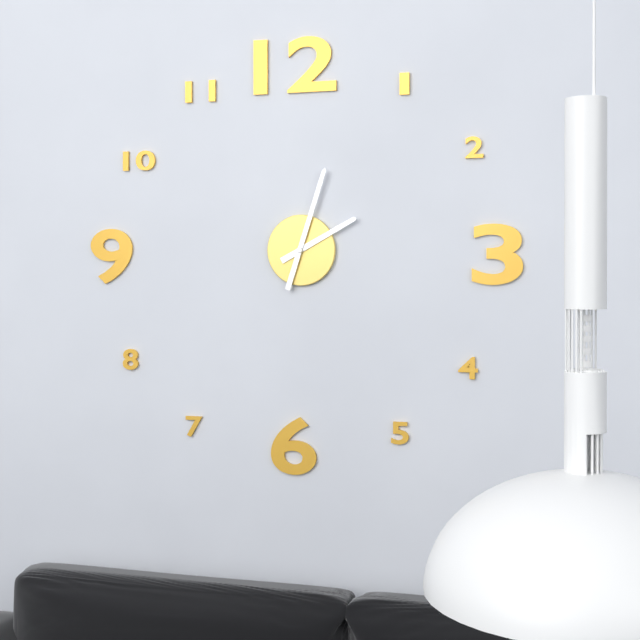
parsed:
2:03
